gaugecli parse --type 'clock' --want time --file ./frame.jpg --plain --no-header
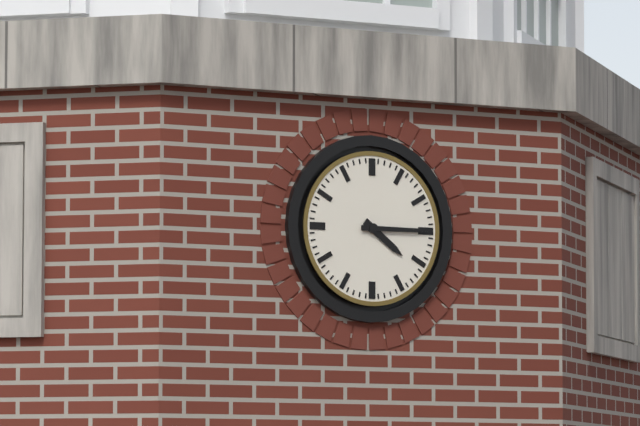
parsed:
4:15
